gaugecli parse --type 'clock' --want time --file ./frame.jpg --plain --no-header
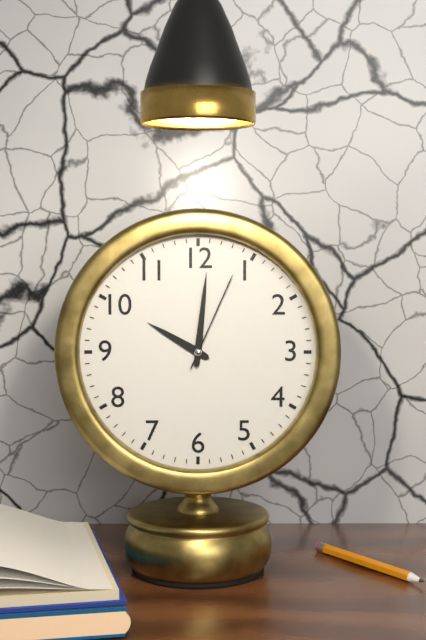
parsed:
10:01:04
